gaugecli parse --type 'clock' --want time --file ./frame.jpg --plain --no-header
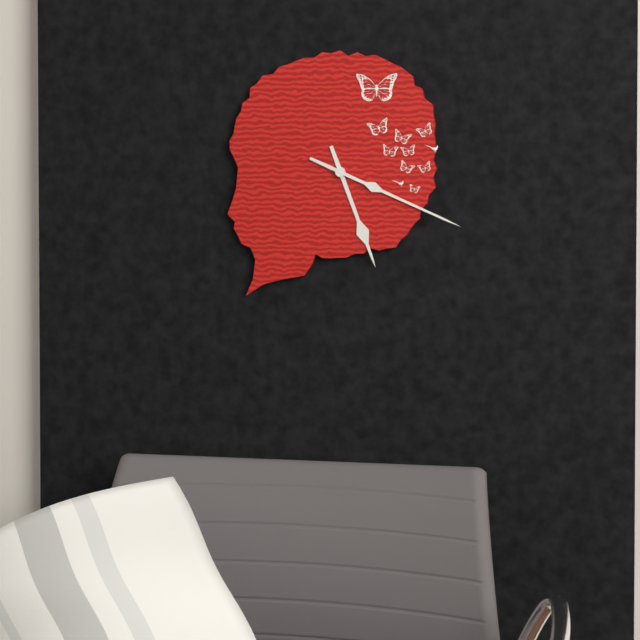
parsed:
5:19
